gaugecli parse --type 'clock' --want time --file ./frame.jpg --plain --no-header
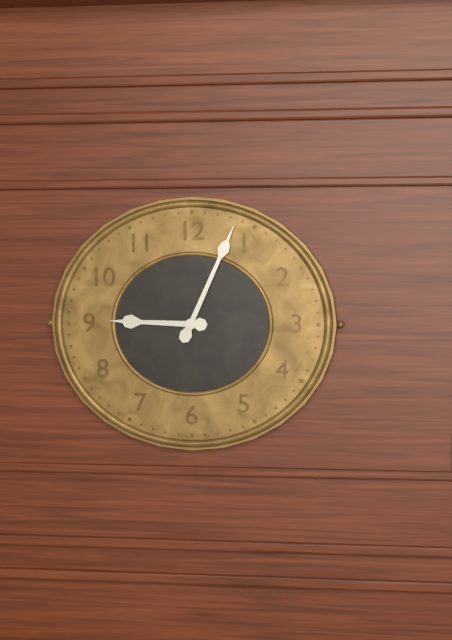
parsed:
9:04
